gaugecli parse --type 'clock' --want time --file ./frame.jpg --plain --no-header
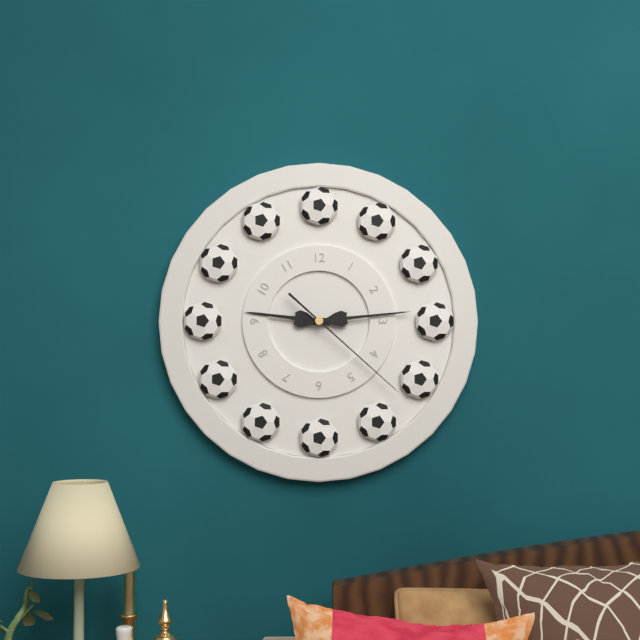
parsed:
9:14:22
